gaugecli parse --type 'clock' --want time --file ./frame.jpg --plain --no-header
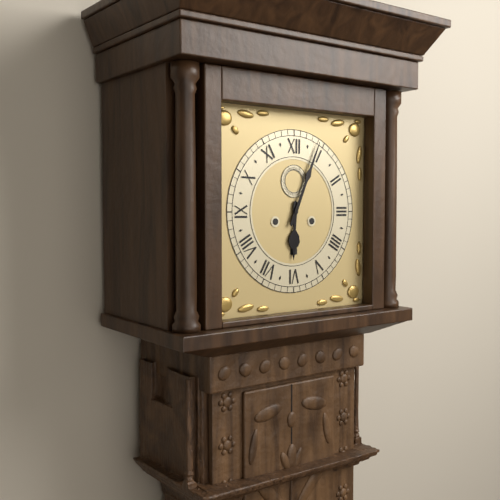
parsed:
6:04
